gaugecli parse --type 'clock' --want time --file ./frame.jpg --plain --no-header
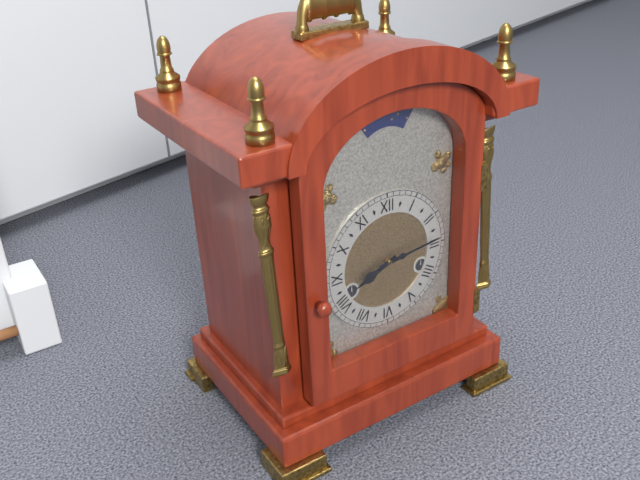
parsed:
8:14
